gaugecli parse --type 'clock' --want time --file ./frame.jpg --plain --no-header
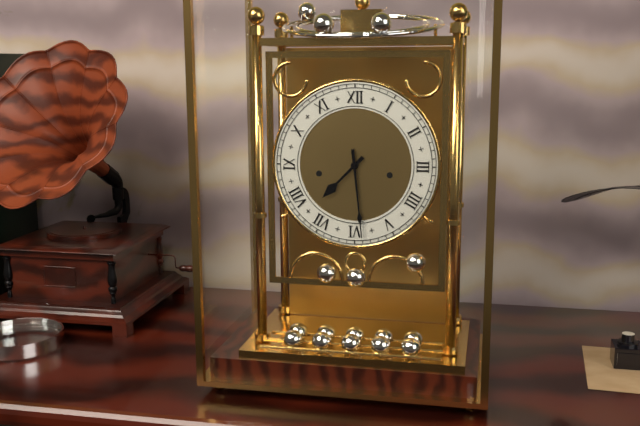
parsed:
7:29
